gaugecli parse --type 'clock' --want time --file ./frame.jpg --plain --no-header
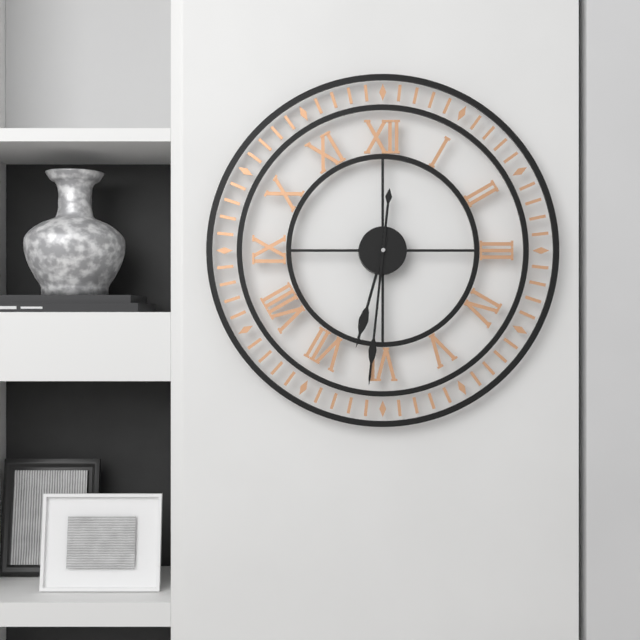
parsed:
6:31
